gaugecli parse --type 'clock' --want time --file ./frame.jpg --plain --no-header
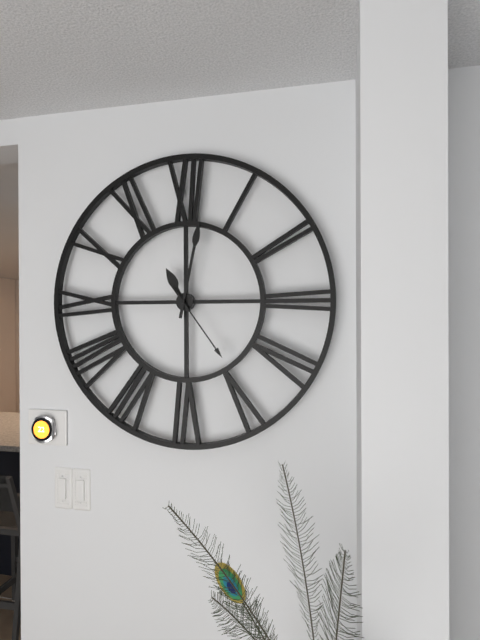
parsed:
11:02:24
